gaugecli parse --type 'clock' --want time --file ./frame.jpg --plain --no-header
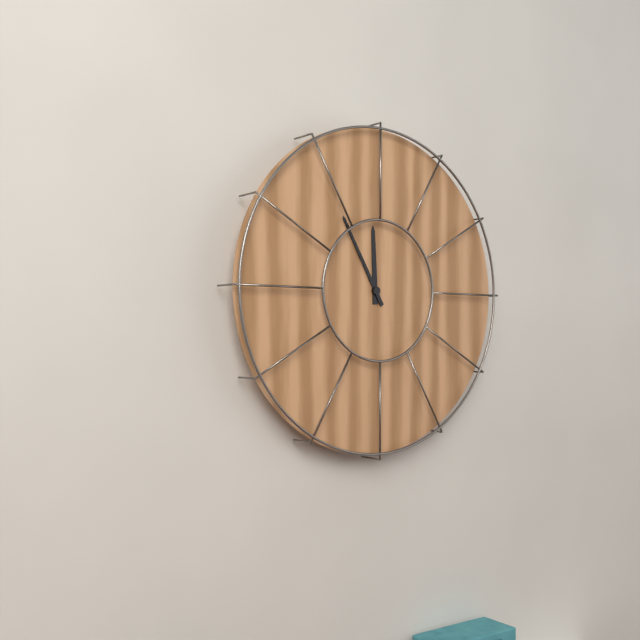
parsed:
11:55
